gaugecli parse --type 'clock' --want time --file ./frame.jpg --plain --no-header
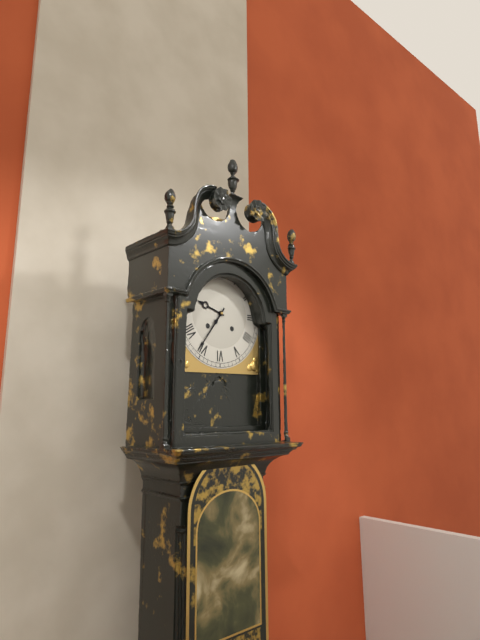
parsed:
9:36
